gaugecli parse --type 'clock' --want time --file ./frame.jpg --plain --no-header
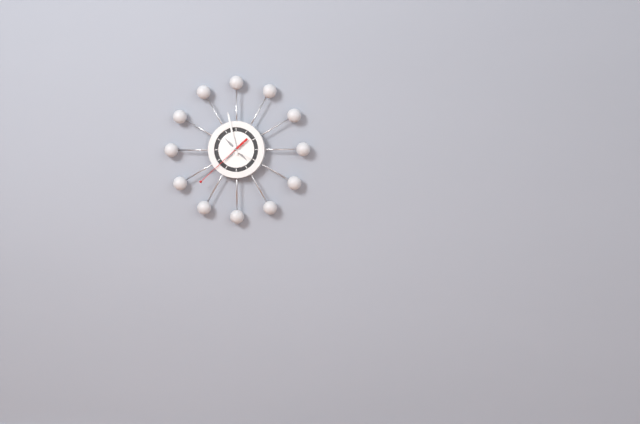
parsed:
3:58:38
